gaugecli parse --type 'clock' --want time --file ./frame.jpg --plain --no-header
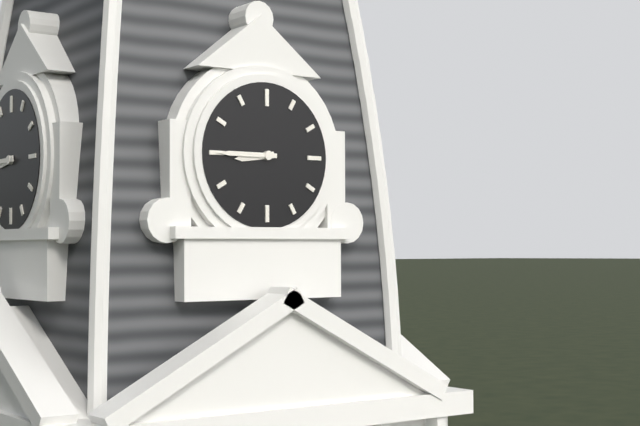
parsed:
8:45
